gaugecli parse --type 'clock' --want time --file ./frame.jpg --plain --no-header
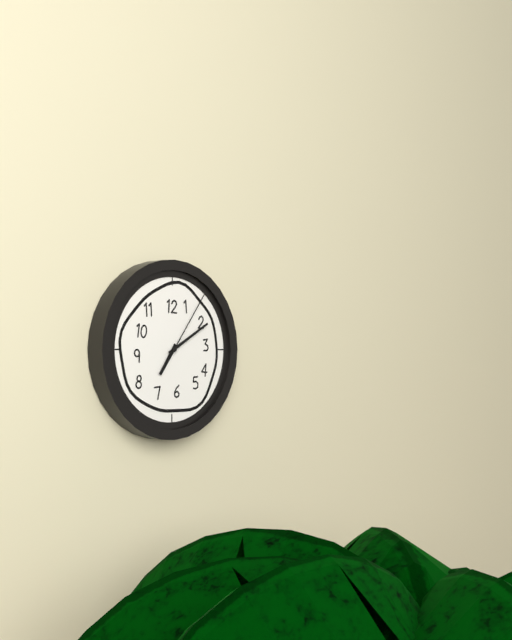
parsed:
7:10:06
